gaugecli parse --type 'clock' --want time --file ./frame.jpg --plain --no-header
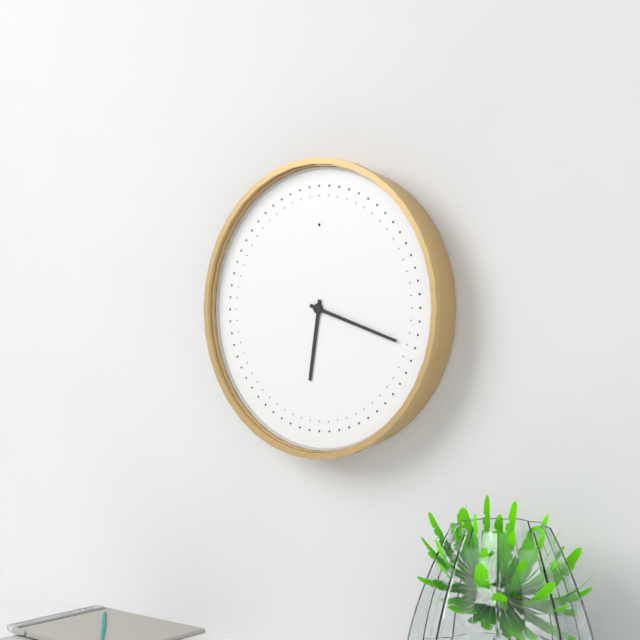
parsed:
6:18
